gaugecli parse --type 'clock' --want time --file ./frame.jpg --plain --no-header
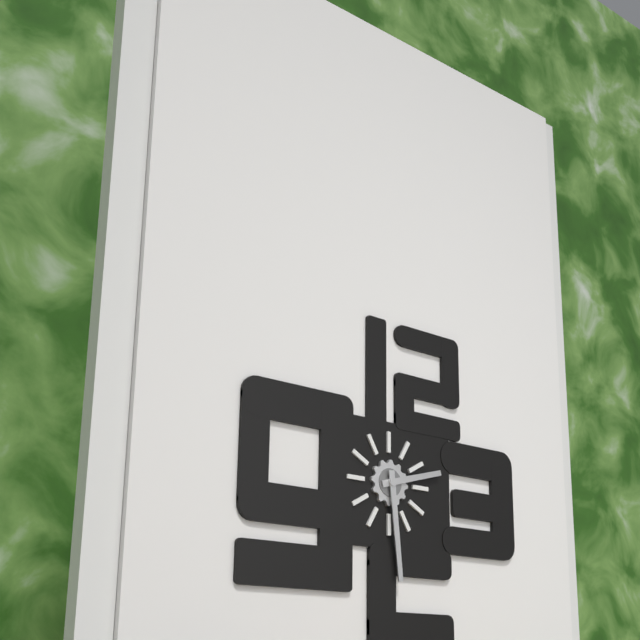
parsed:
2:29
